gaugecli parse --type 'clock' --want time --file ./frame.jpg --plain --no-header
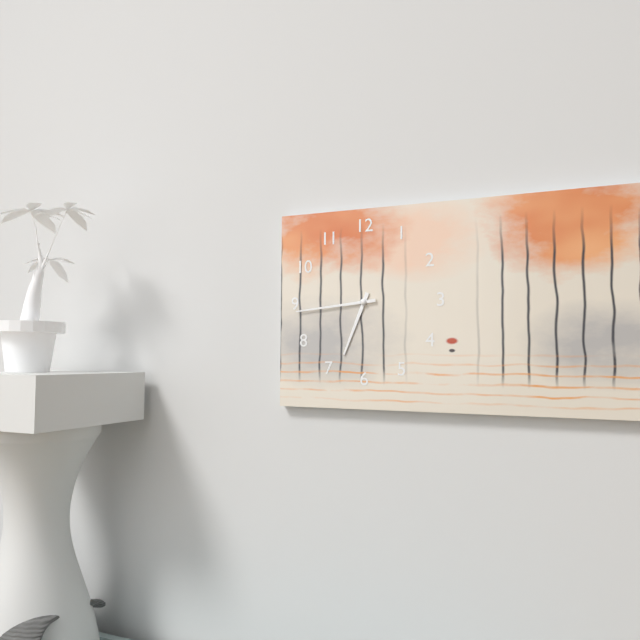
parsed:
6:44
